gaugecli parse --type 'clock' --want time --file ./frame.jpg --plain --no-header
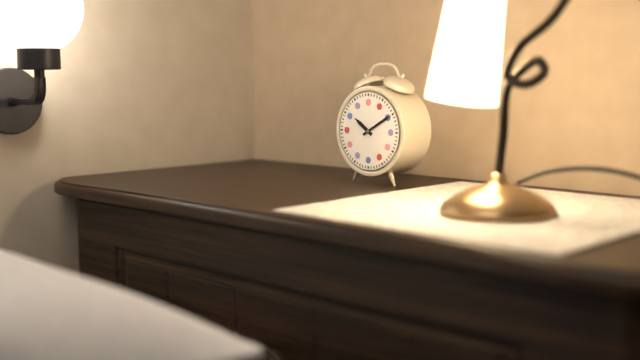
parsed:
10:10
